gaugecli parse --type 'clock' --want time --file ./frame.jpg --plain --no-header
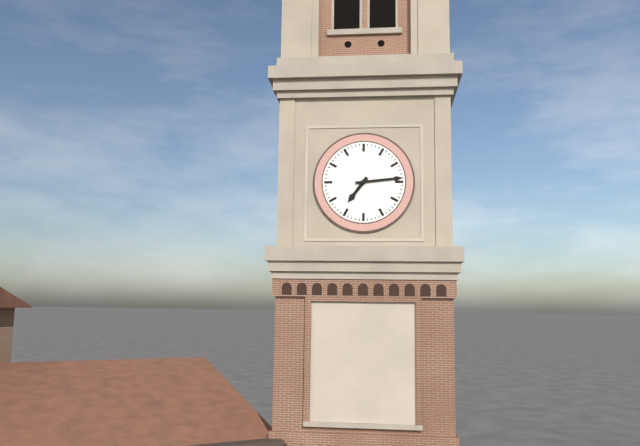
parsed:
7:14
